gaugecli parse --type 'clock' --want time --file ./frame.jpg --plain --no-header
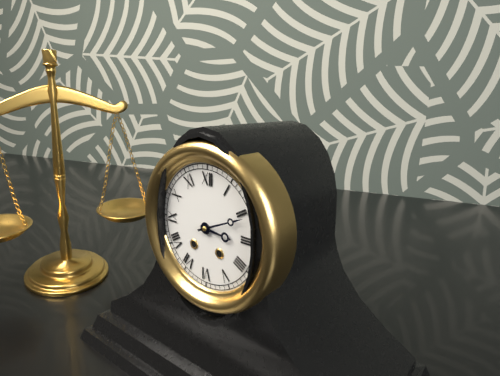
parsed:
3:11
